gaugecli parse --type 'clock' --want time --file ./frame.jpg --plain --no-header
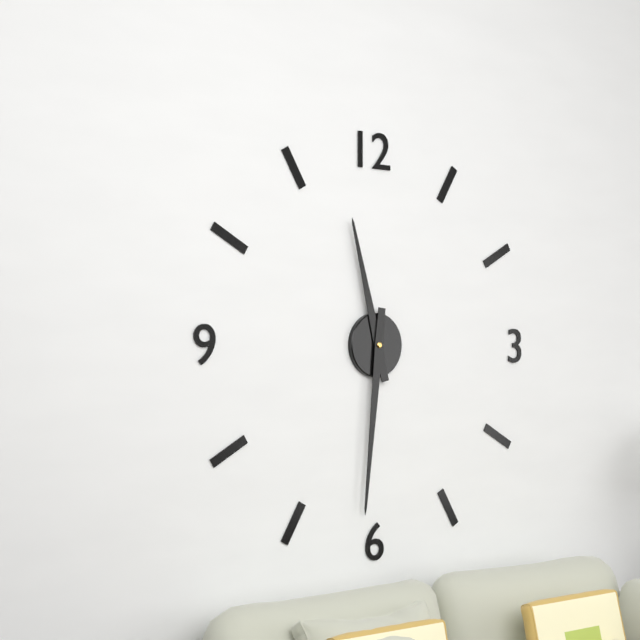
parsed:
11:31
